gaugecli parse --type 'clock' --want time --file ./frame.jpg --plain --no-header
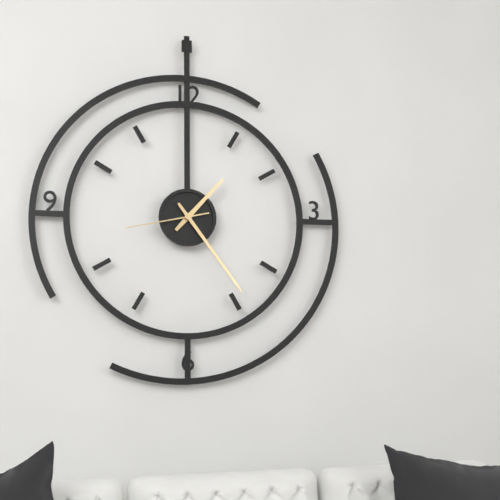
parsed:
1:24:43
